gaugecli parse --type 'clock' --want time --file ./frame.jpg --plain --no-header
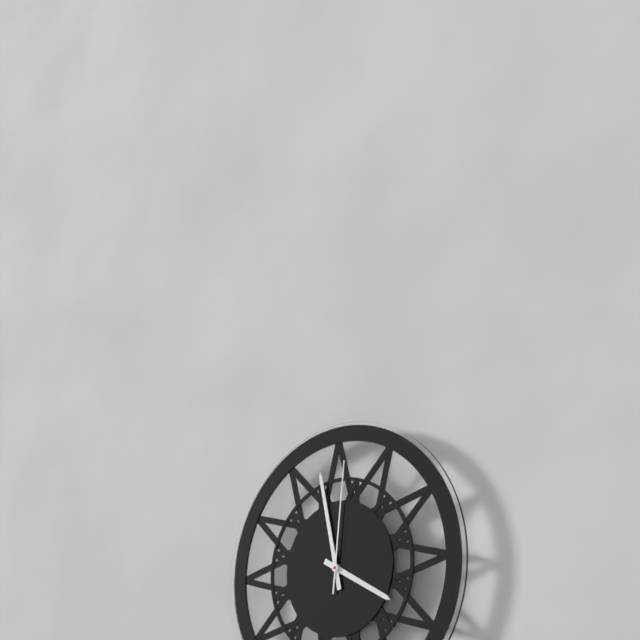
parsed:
3:58:01
